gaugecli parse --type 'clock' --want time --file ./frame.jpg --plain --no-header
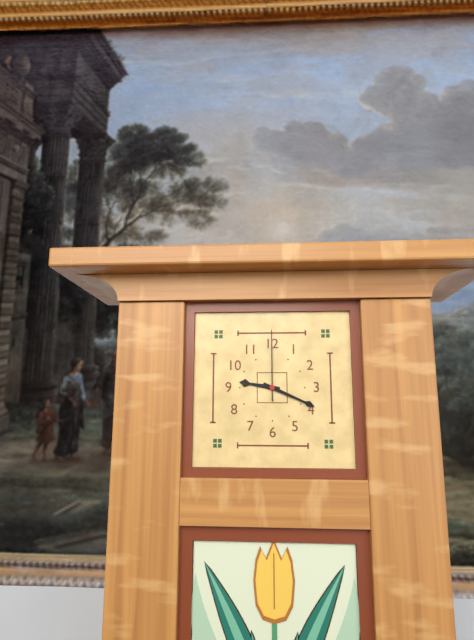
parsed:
9:19:00
